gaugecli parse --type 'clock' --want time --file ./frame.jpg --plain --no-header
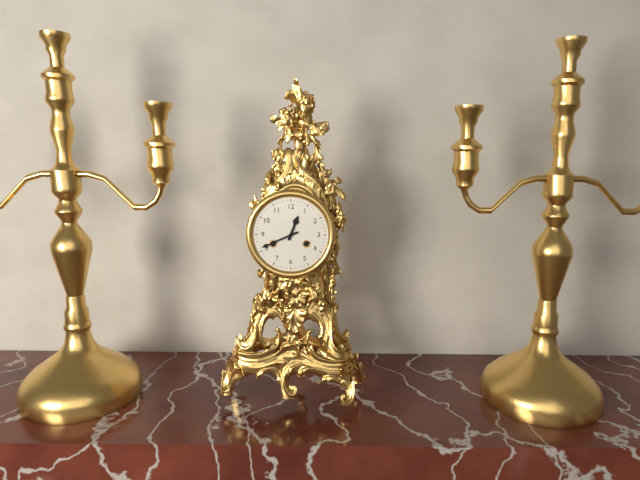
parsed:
12:41
